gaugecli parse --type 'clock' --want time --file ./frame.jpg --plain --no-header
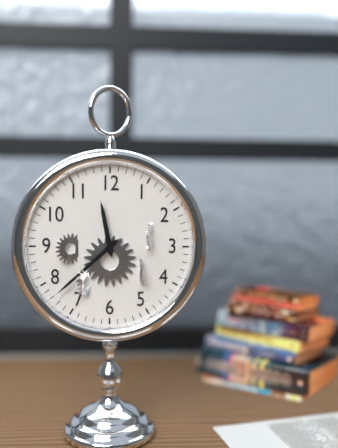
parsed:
11:38
